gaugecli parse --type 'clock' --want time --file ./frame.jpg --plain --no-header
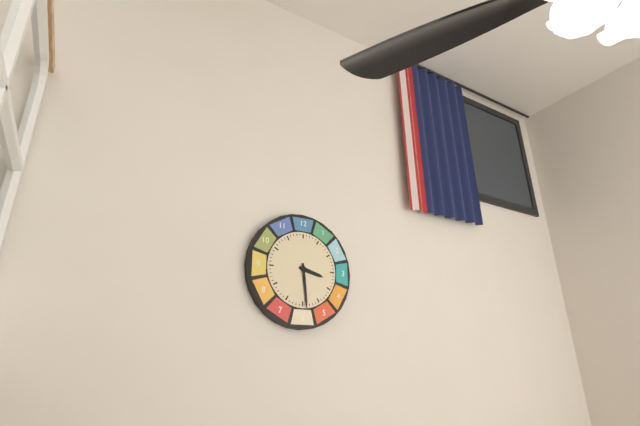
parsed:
3:29
